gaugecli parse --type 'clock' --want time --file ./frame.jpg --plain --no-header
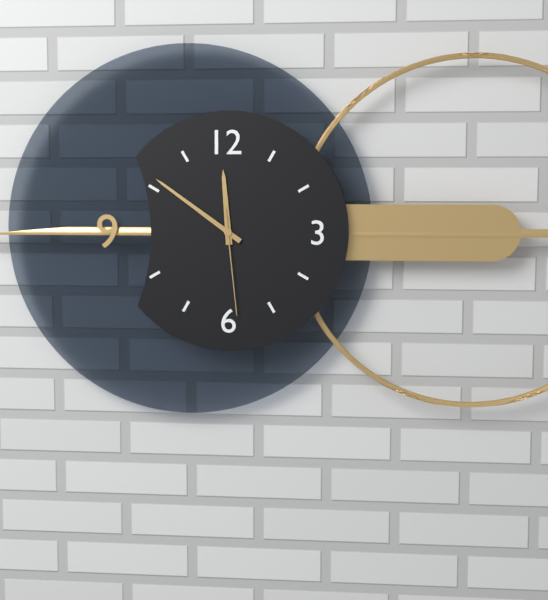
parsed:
11:51:29
